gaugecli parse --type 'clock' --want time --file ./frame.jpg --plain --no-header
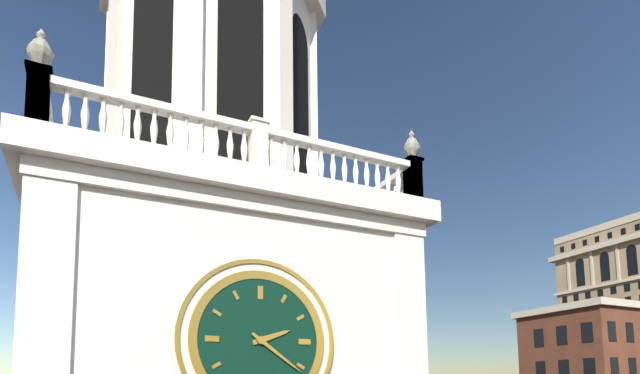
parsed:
2:21
